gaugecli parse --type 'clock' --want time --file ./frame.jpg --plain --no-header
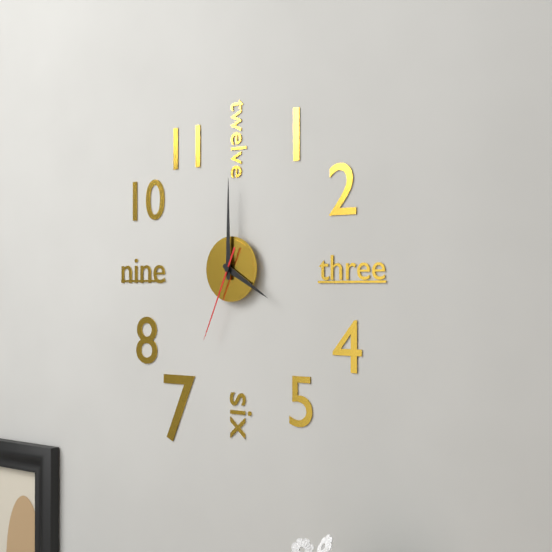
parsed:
4:00:34
